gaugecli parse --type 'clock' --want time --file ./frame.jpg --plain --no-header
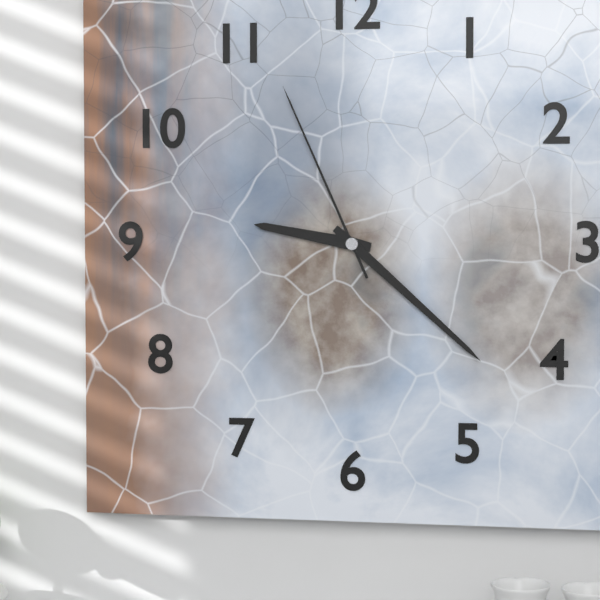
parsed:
9:22:56
